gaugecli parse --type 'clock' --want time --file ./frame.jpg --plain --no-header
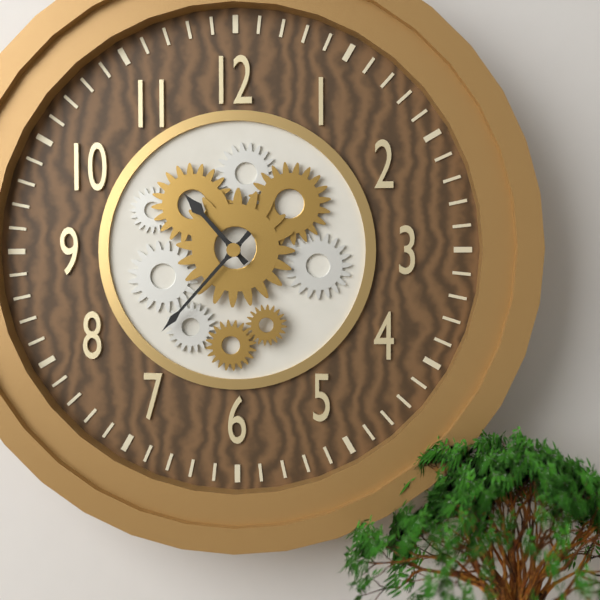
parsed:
10:37
